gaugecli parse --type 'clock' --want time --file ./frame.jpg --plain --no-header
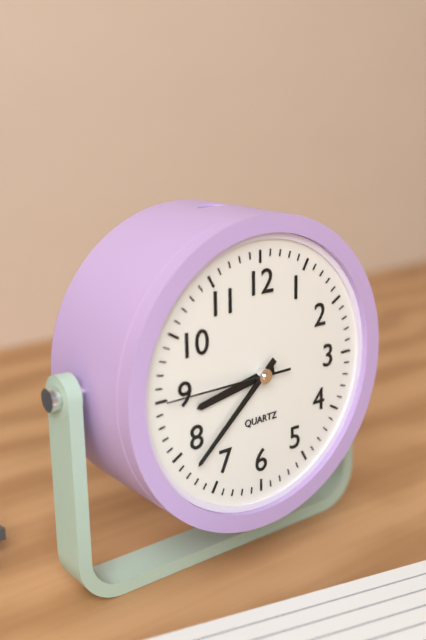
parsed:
8:38:45
